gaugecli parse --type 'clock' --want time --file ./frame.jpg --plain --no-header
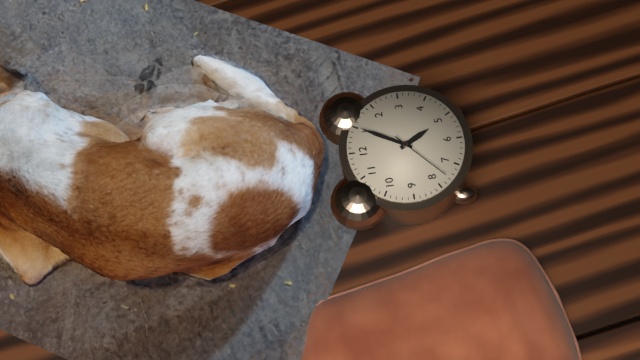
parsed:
5:05:38
